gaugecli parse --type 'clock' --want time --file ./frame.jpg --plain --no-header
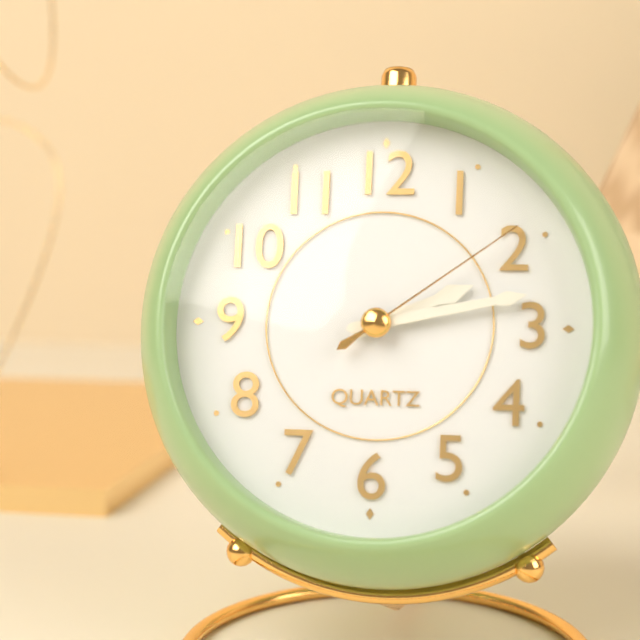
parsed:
2:13:09
